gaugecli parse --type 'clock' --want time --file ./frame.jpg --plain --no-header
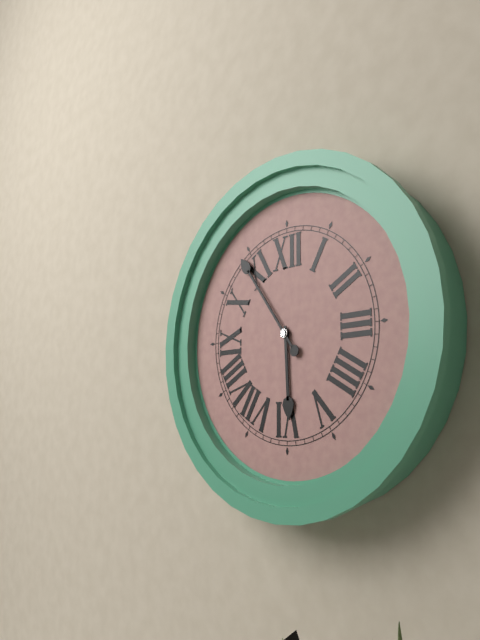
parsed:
5:54
